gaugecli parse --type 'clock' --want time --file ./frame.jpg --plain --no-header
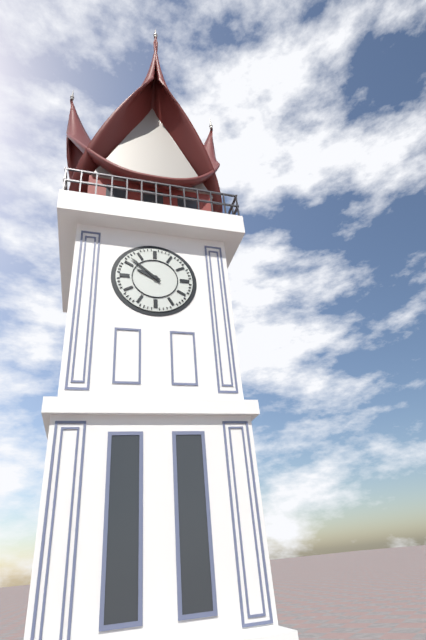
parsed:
9:52
